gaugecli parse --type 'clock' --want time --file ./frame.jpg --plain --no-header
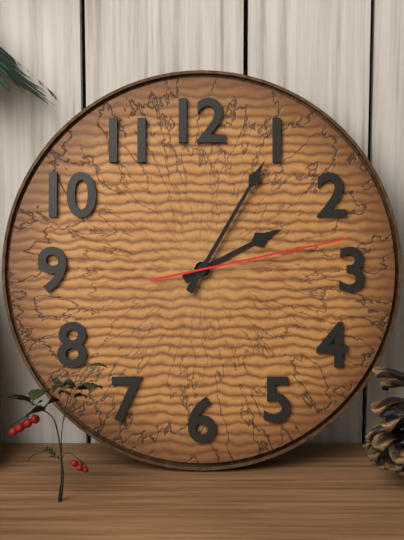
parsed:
2:05:13
